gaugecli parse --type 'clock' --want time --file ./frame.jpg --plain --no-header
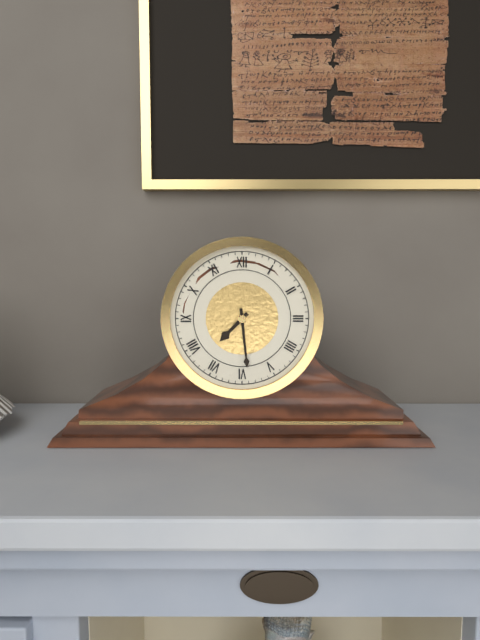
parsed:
7:29
